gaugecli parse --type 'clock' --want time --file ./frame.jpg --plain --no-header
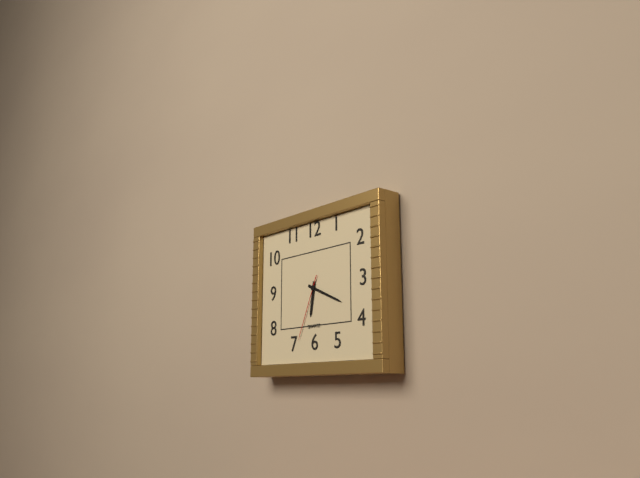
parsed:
6:19:34
